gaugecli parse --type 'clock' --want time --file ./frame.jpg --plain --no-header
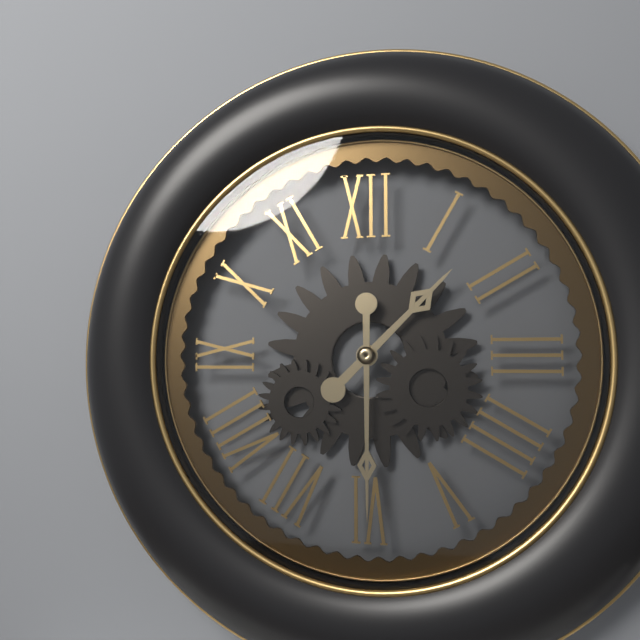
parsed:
1:30
